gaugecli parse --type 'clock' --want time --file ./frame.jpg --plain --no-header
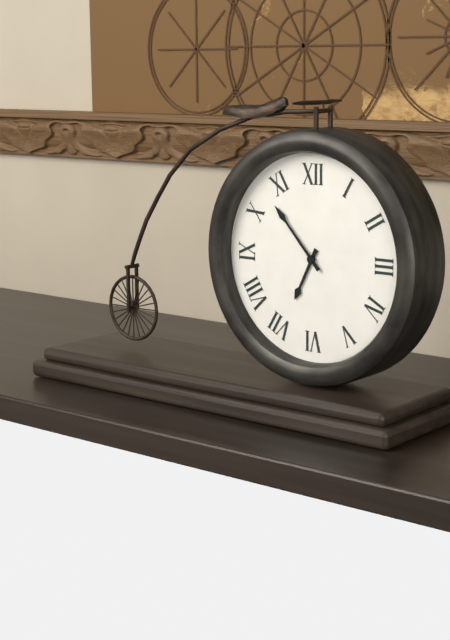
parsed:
6:53
